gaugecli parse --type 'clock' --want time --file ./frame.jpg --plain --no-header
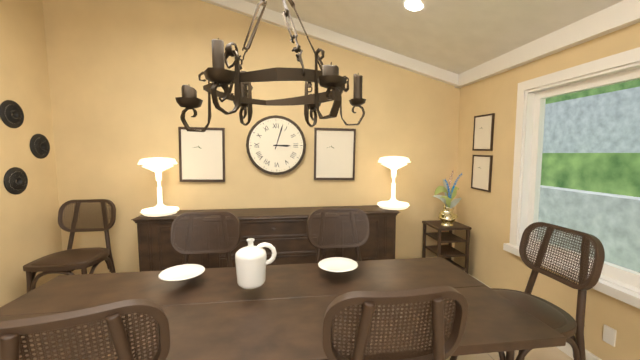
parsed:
3:03
